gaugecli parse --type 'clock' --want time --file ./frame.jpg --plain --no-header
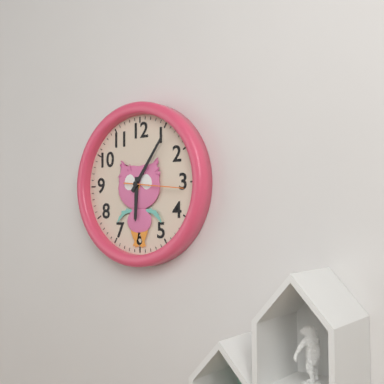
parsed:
6:06
